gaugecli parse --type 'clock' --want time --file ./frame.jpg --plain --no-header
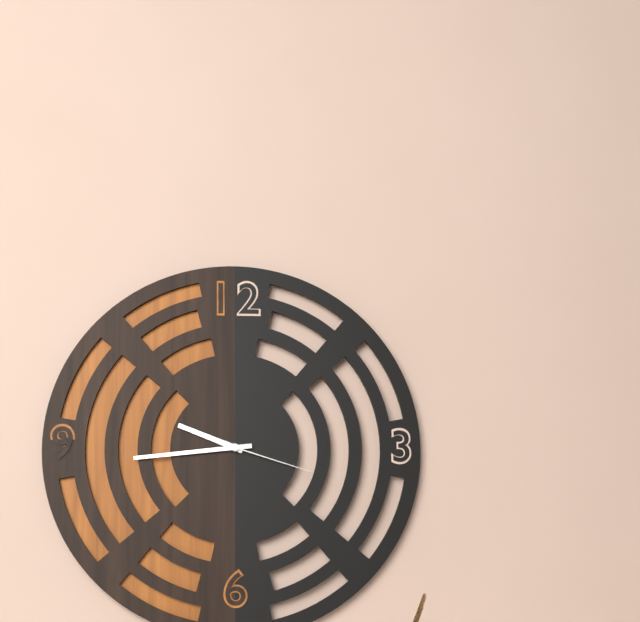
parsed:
9:44:18
